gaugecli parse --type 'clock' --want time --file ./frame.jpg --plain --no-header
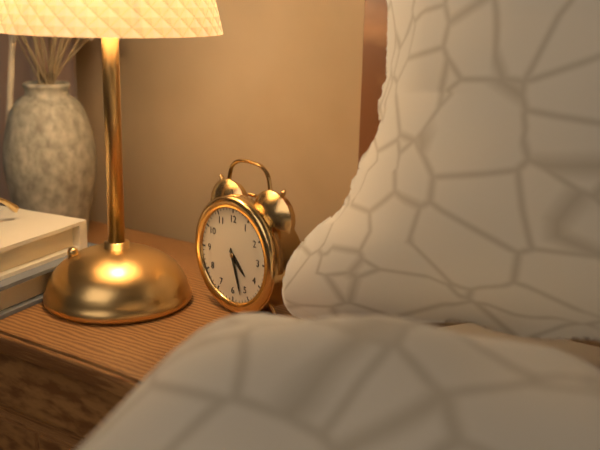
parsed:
4:27
